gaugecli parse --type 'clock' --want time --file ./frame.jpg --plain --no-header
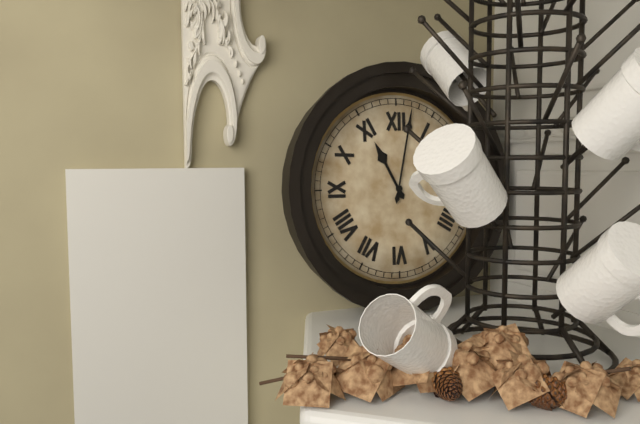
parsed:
11:02
